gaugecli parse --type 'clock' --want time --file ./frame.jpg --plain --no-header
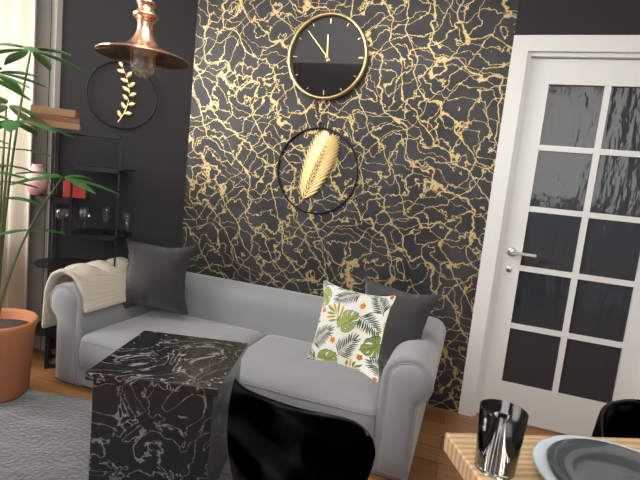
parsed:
11:53
